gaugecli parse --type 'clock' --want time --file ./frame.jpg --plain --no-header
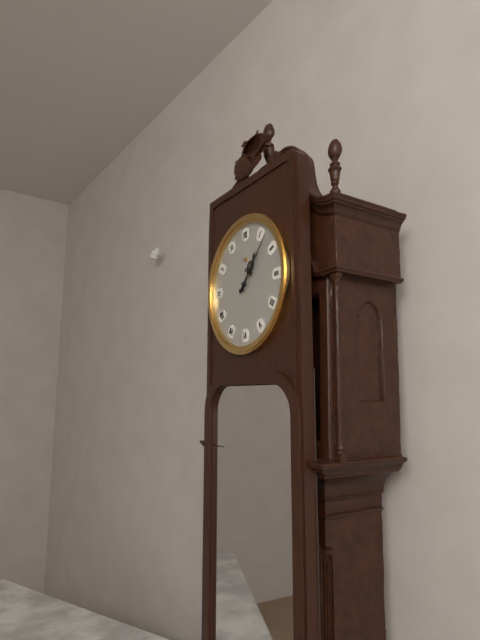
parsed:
1:07
